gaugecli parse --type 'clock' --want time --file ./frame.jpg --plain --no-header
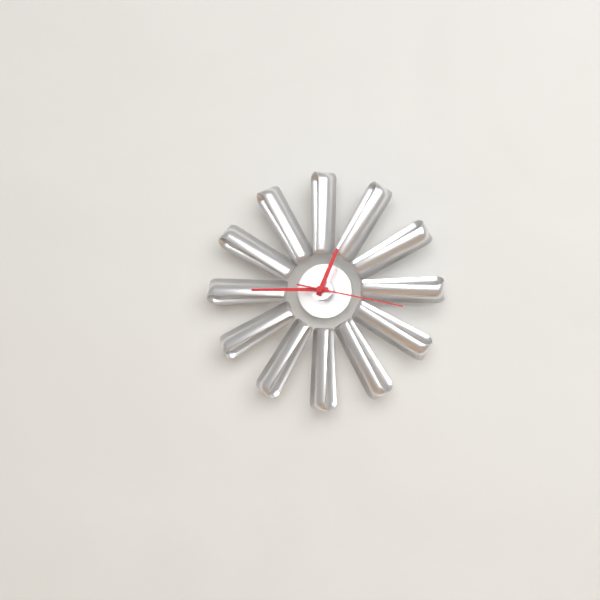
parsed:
12:45:17
